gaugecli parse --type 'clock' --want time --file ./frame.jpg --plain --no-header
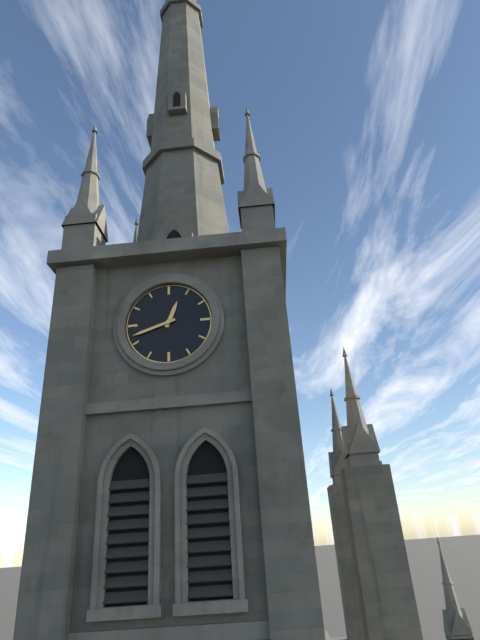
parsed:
12:42
